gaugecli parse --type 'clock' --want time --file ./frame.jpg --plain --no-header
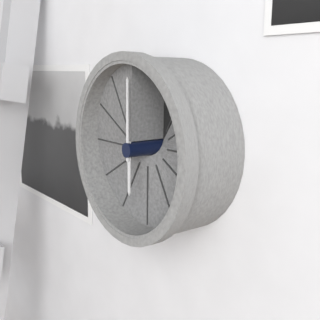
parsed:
6:00
